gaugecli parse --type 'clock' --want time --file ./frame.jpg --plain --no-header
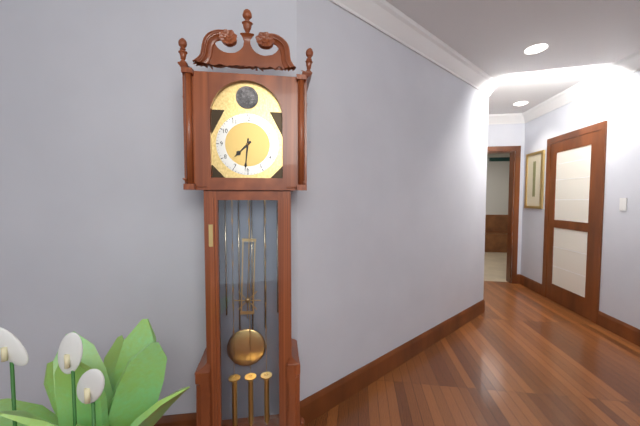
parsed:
7:31
